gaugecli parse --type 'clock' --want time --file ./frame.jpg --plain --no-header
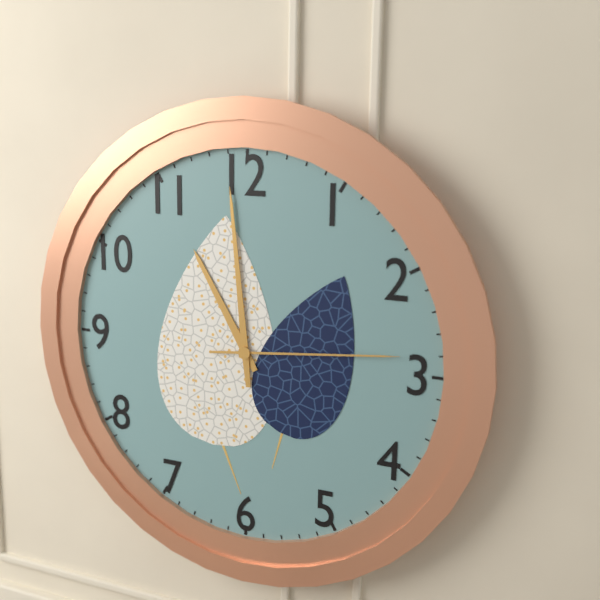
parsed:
10:59:14
